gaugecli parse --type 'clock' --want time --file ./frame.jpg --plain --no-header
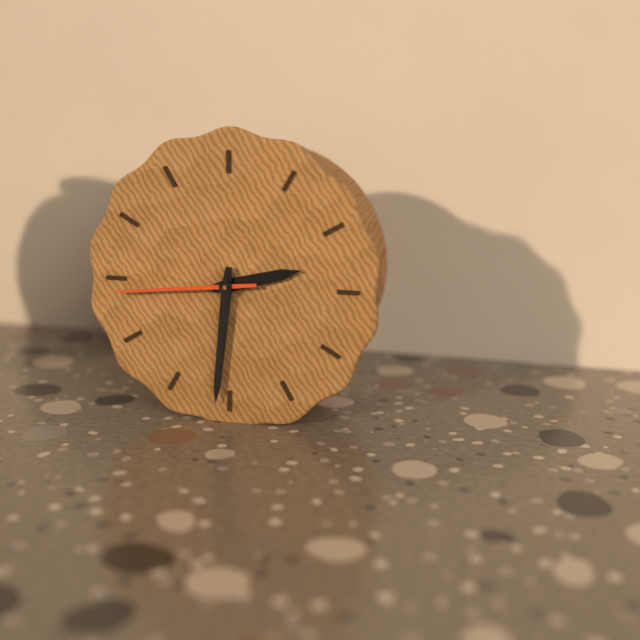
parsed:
2:31:44
